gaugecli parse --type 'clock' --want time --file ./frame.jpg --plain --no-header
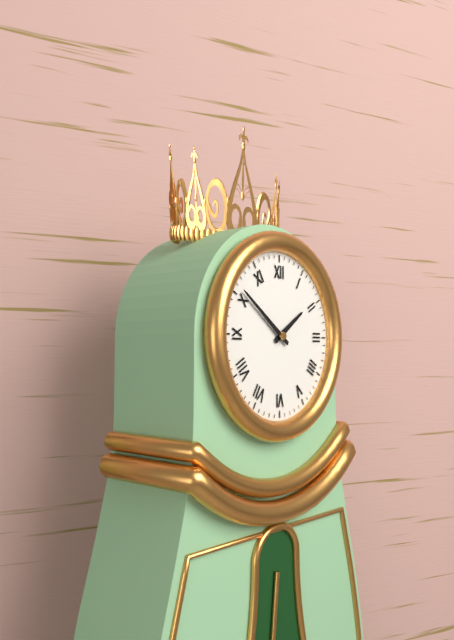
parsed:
1:51
